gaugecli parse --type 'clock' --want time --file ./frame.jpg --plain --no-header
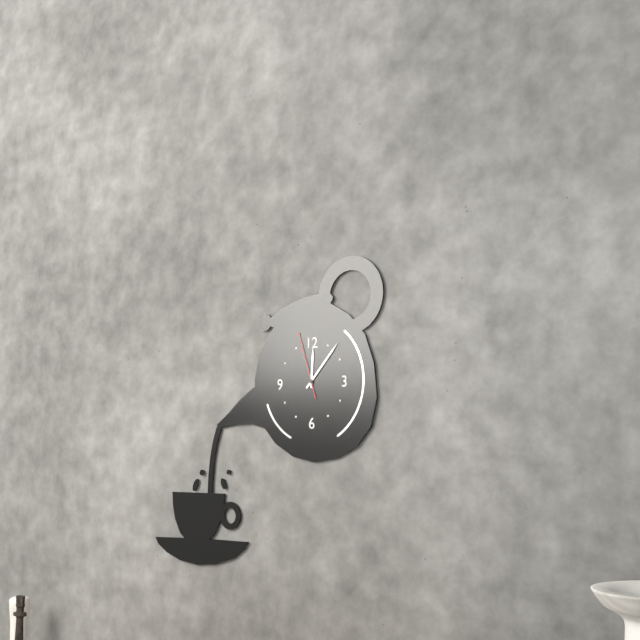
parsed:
12:07:57
